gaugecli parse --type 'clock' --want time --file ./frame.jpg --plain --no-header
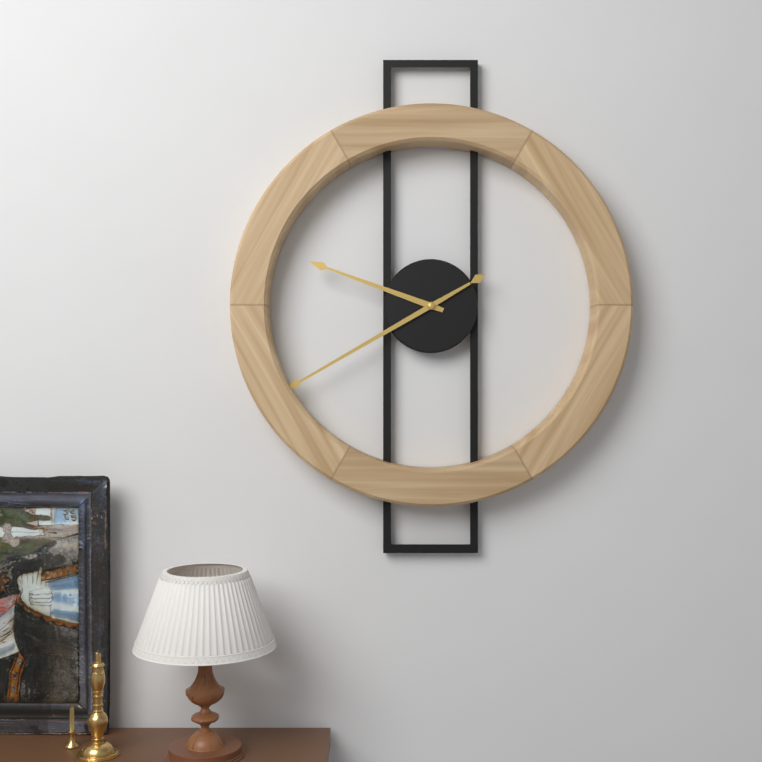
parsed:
9:40
